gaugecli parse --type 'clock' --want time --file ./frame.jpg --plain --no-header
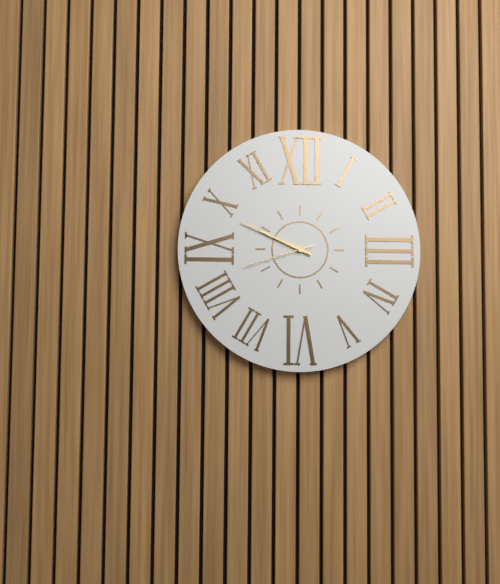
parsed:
9:49:42
